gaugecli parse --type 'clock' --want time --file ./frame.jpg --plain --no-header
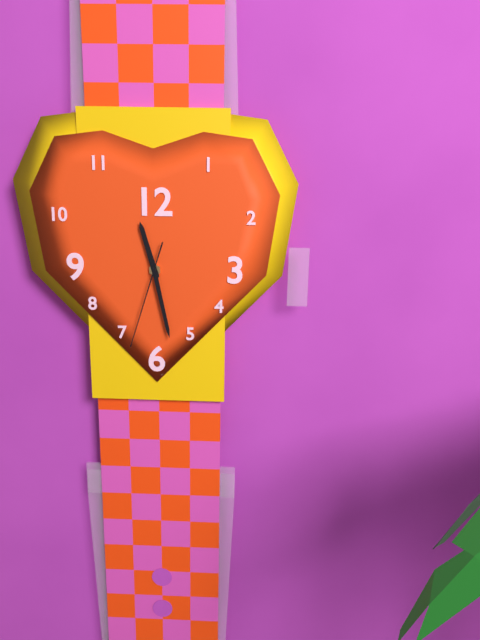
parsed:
11:28:33
